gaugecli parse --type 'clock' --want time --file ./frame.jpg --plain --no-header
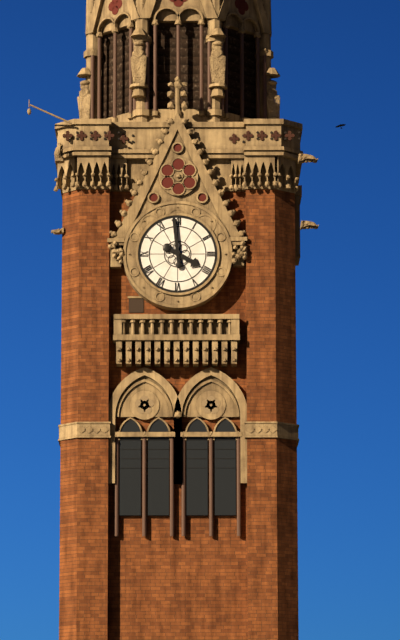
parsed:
3:59
